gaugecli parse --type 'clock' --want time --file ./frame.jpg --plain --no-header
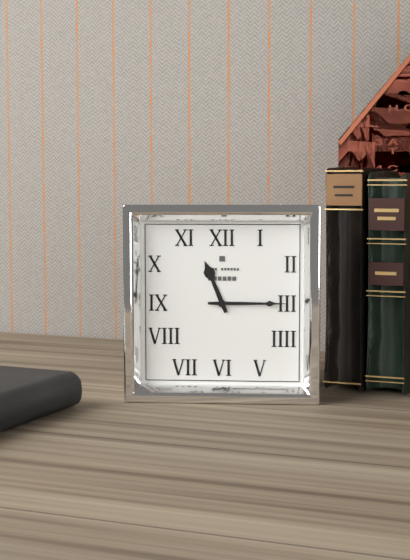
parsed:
11:15
